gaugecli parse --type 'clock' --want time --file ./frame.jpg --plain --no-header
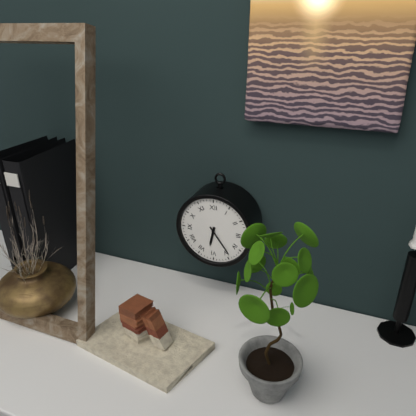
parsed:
6:24
